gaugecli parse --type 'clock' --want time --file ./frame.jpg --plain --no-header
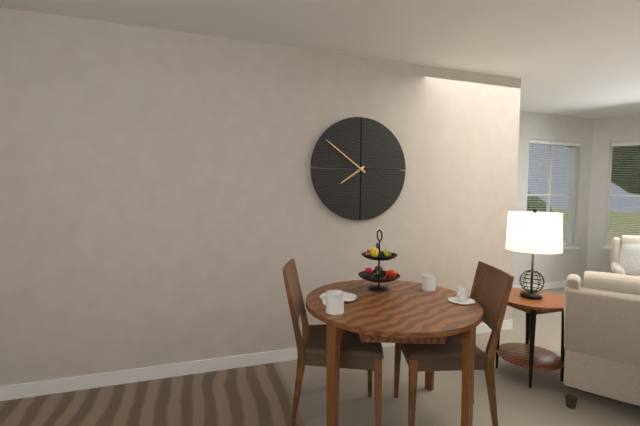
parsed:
7:51
